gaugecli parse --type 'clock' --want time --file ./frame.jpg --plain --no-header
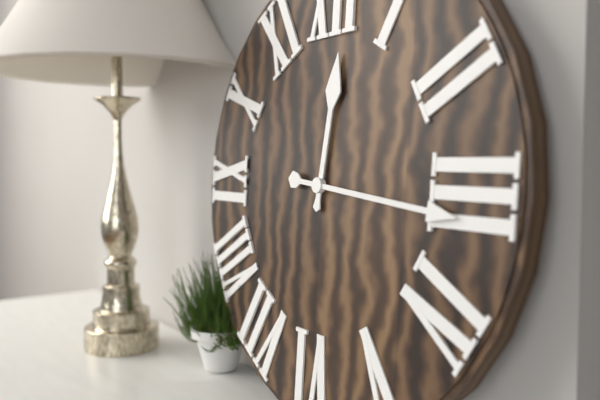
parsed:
12:16
